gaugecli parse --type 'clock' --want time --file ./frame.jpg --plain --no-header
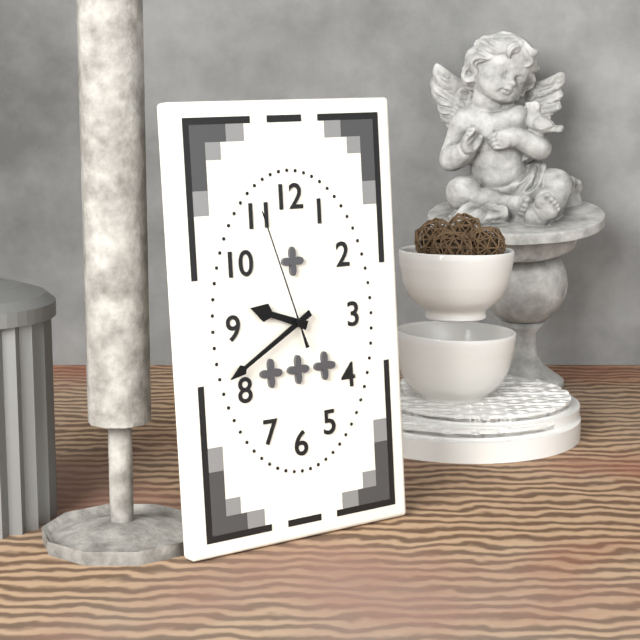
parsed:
9:40:57
